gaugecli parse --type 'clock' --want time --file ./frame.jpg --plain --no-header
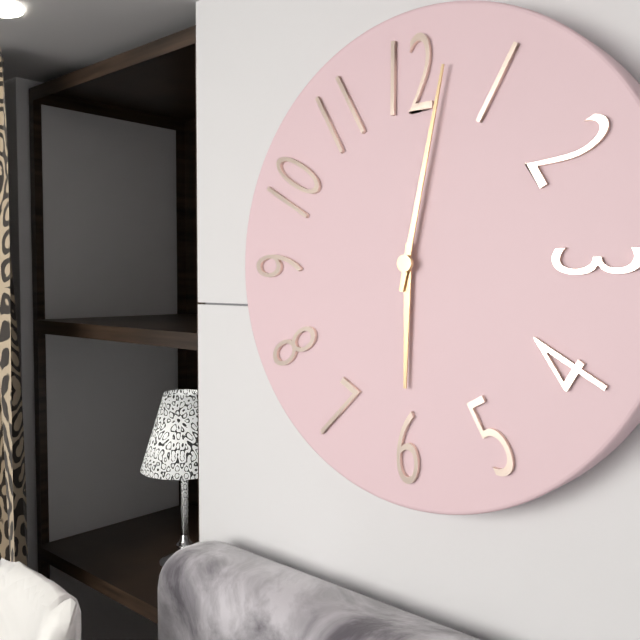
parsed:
6:02
